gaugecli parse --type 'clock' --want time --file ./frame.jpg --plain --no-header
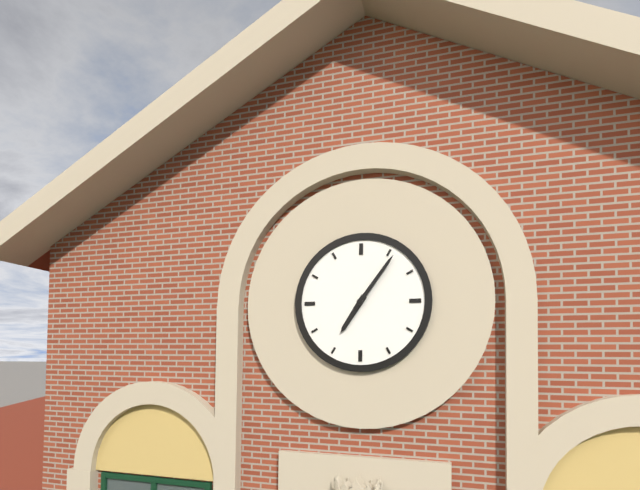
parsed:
7:06
